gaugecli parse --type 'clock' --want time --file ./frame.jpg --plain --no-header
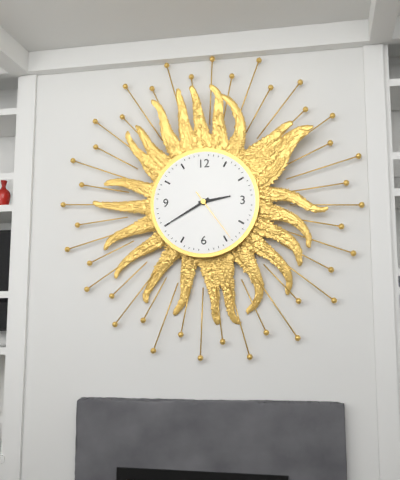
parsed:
2:40:24
